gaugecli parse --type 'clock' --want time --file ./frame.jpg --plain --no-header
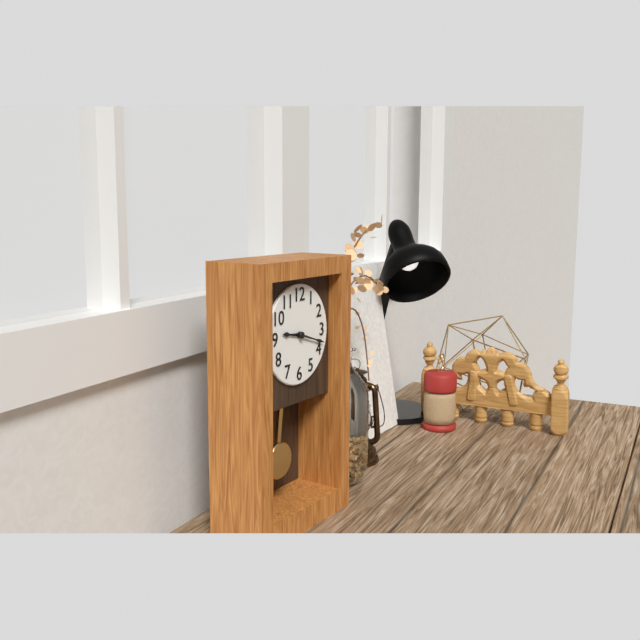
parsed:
9:18
